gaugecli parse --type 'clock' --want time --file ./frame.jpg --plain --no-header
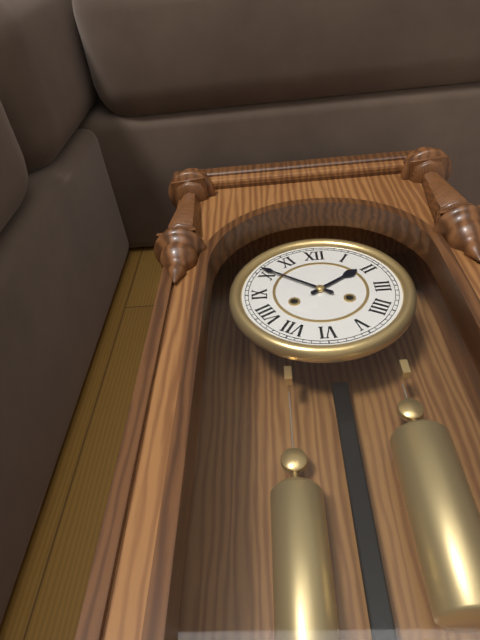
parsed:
1:51
